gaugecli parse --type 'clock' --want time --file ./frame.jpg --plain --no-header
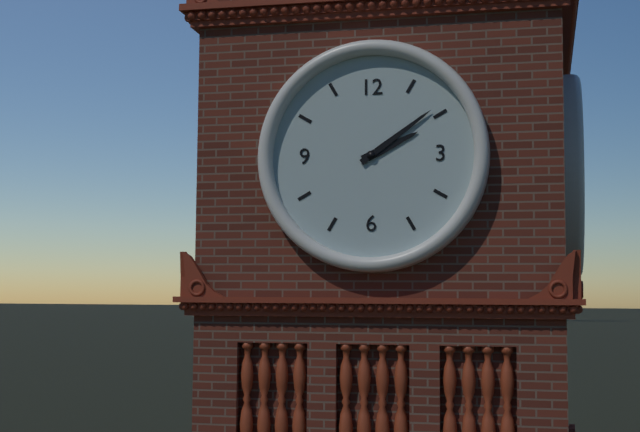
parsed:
2:09
